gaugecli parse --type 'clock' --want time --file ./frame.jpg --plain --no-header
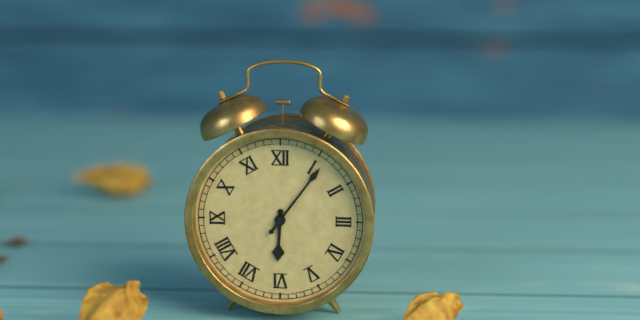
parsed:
6:06
